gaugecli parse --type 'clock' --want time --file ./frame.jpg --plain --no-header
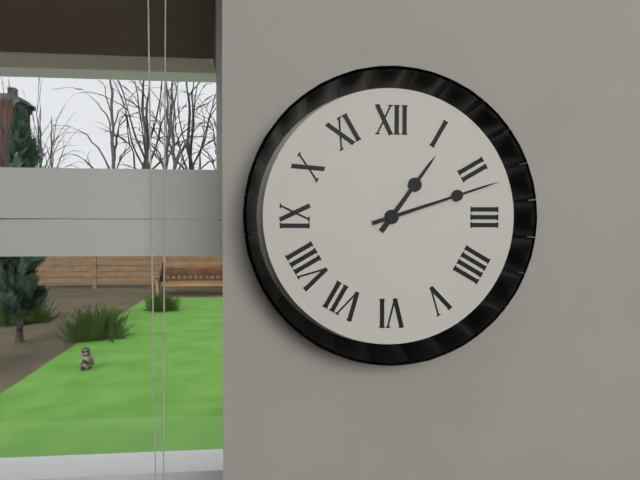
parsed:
1:12
